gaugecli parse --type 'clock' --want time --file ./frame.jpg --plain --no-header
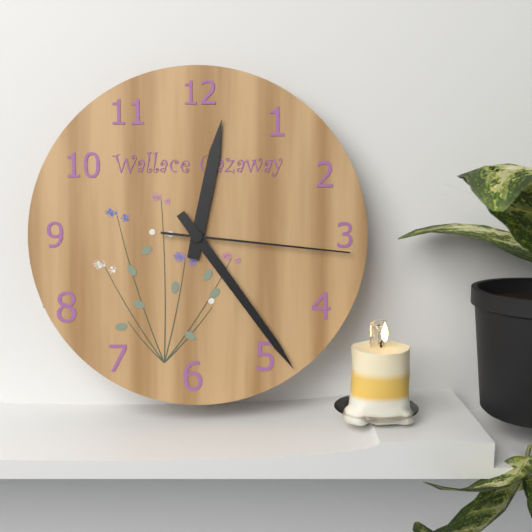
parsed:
12:24:16
